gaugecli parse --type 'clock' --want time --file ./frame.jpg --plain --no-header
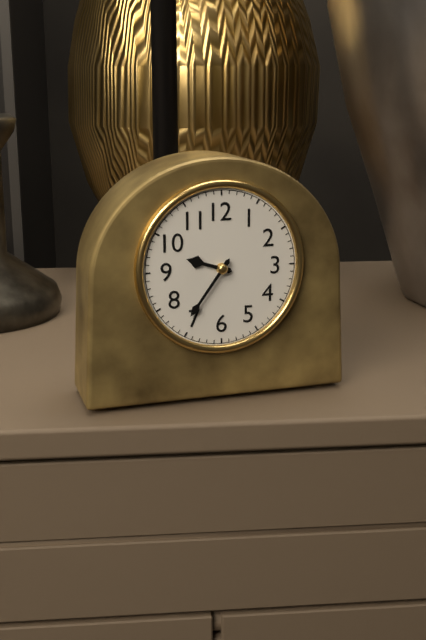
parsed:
9:36
